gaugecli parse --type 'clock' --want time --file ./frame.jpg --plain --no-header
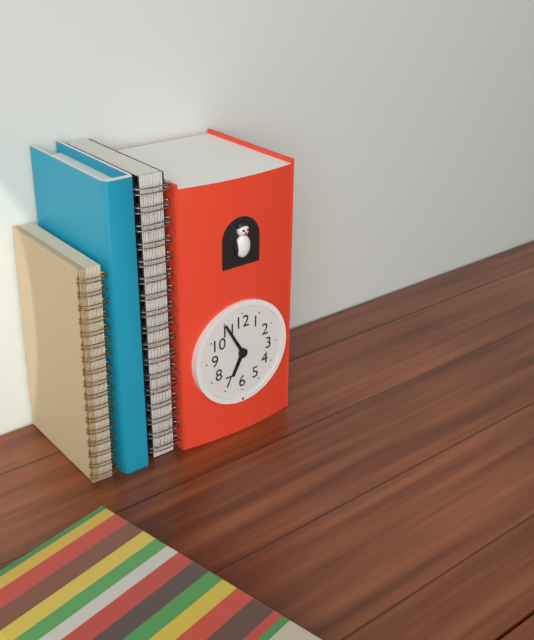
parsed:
6:55
